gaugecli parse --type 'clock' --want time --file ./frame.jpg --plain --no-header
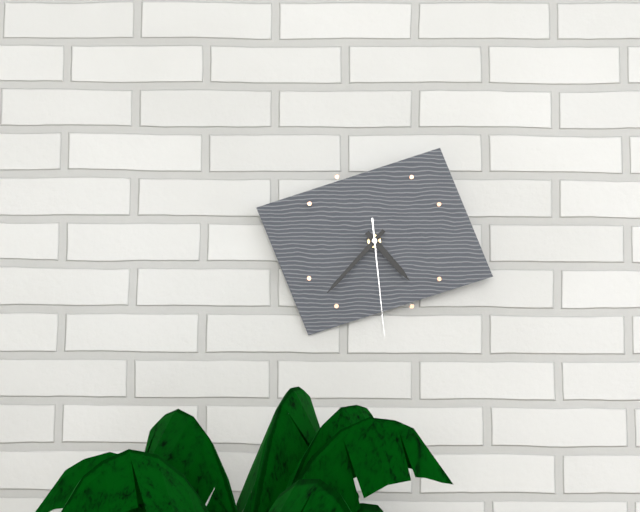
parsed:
4:37:29
